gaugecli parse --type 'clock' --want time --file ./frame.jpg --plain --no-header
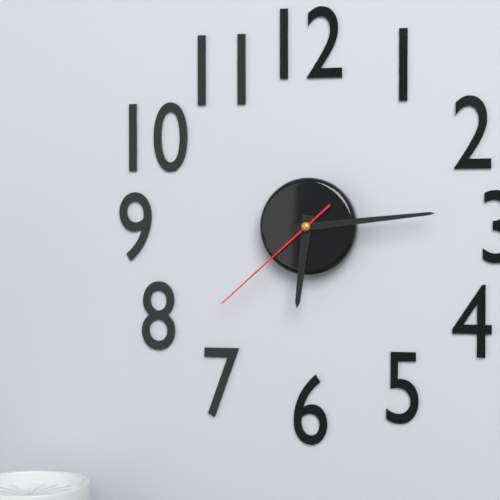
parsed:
6:14:38
